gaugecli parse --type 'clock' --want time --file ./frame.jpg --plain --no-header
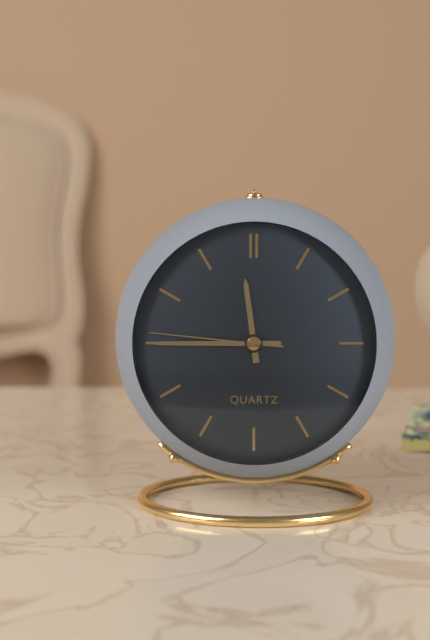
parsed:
11:45:46
